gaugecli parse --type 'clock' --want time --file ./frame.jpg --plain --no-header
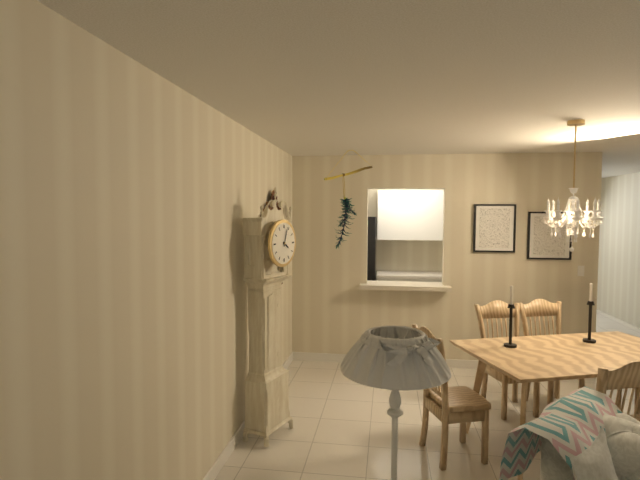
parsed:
4:03
